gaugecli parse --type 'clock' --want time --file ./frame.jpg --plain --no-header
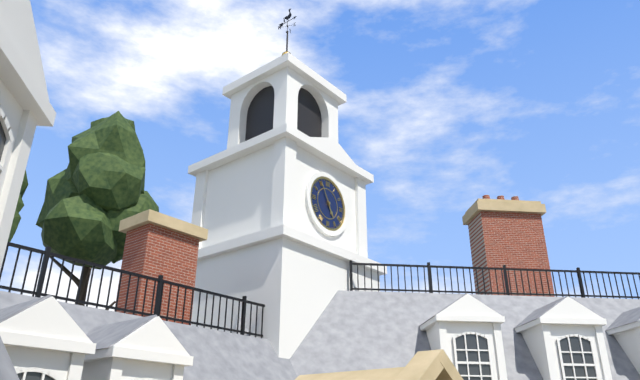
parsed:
4:55
